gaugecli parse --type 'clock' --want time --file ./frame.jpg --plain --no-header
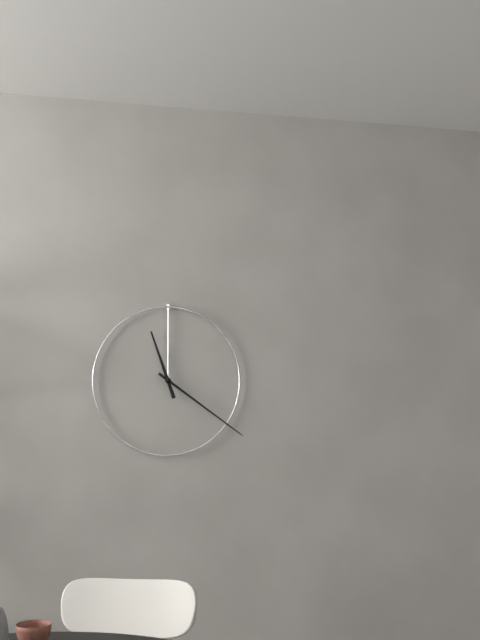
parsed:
11:21
